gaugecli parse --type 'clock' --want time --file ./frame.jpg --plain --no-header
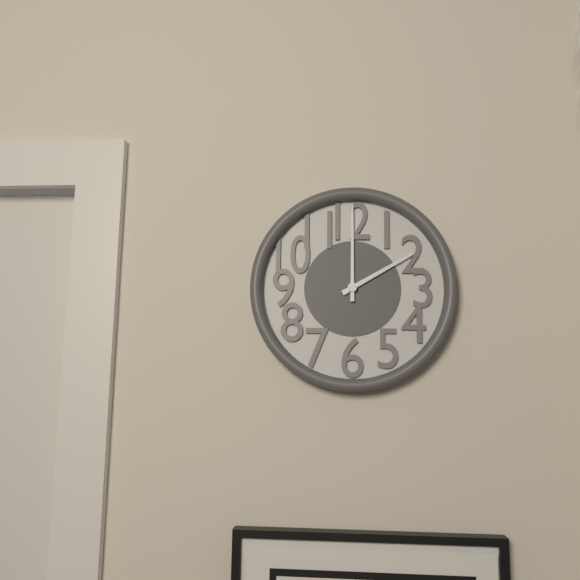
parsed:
2:00
